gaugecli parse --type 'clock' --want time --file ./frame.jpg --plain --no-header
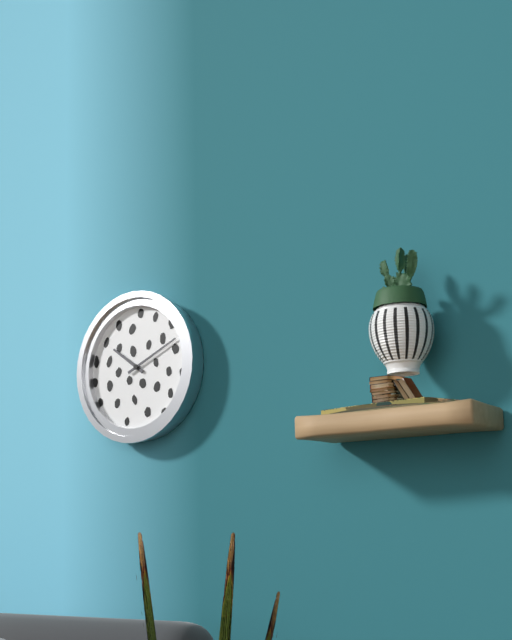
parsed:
10:11
